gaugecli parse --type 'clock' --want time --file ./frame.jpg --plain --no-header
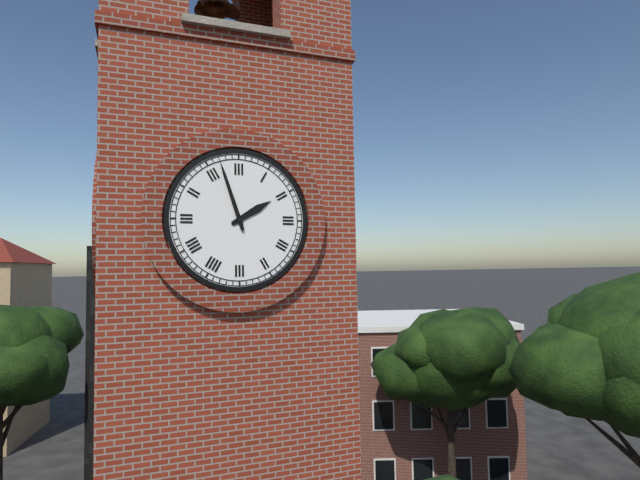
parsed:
1:57
